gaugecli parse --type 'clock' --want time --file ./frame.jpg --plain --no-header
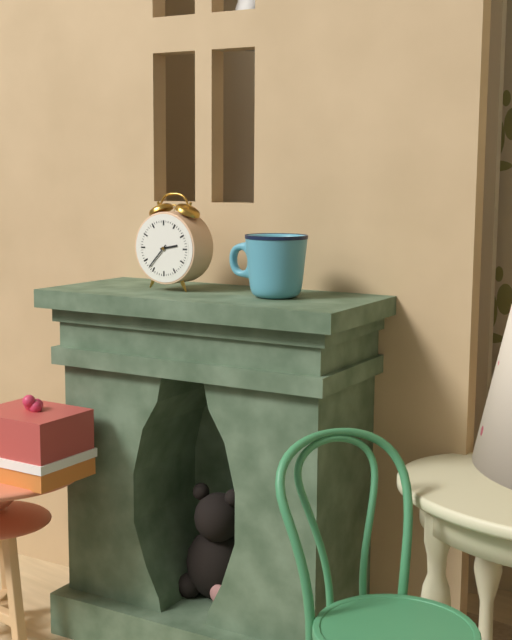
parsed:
2:37
